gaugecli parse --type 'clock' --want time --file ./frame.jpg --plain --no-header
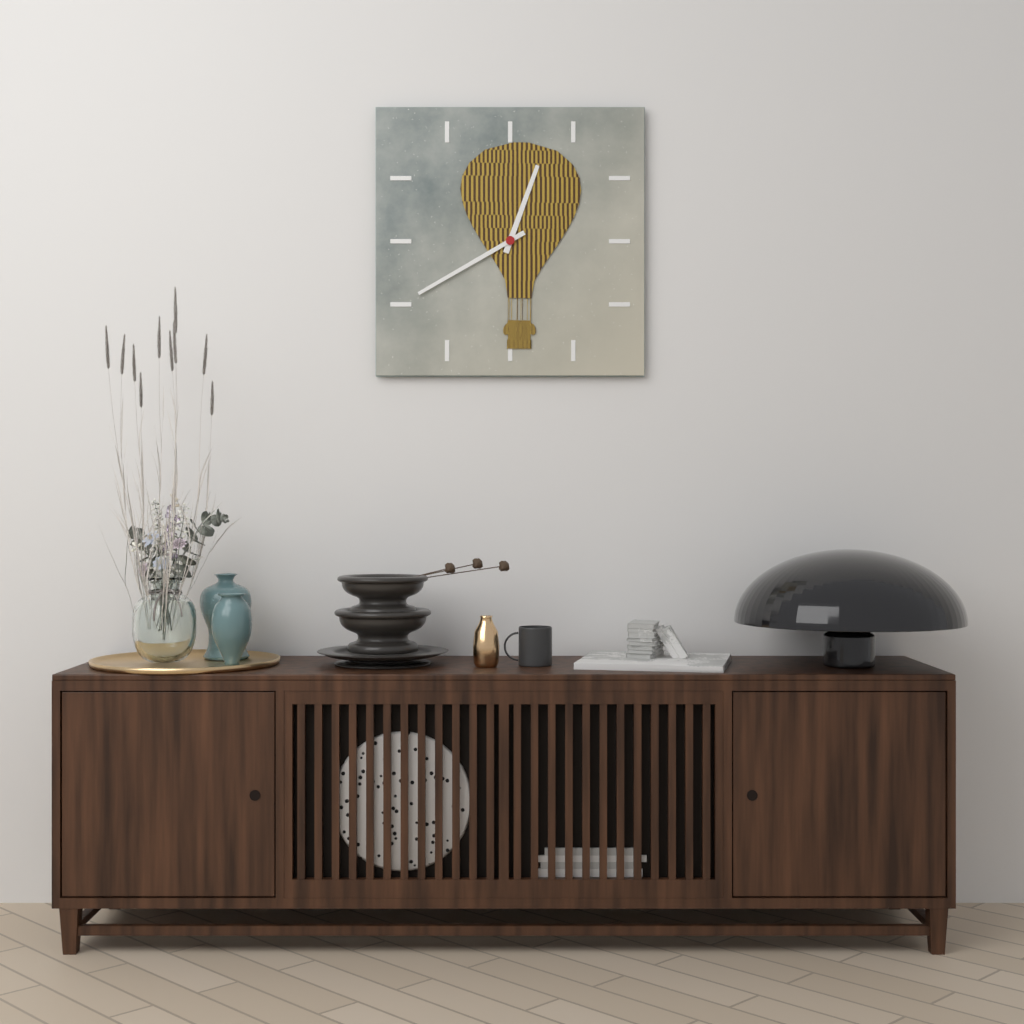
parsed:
12:40
